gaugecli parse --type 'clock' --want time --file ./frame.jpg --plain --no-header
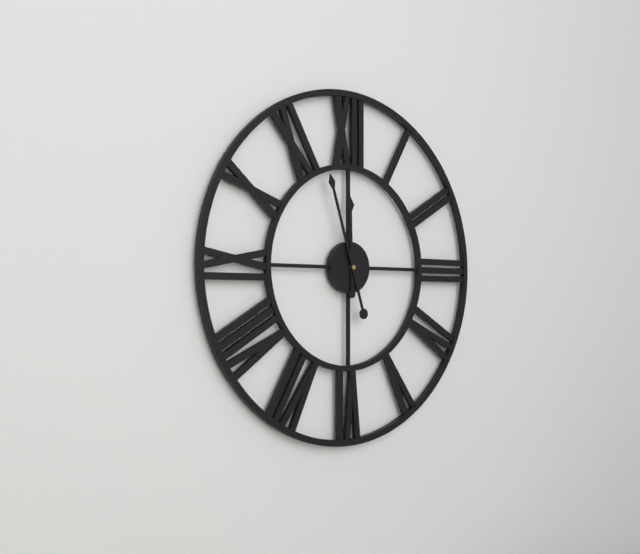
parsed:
11:57
